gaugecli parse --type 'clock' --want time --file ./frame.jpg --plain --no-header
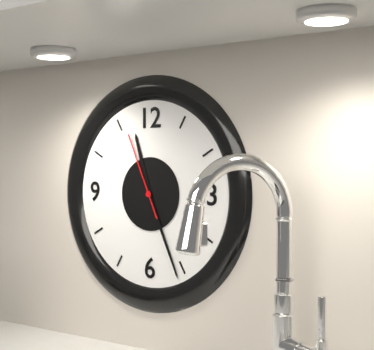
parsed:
11:26:56
